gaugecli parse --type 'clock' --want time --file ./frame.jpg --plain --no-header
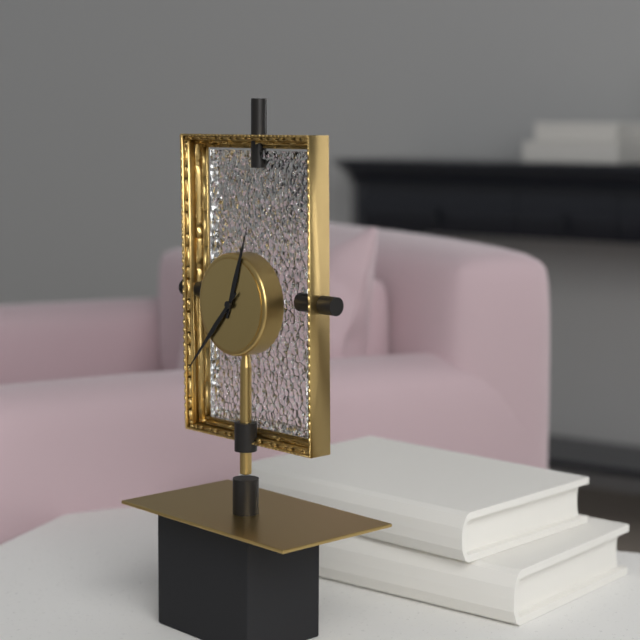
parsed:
12:37
